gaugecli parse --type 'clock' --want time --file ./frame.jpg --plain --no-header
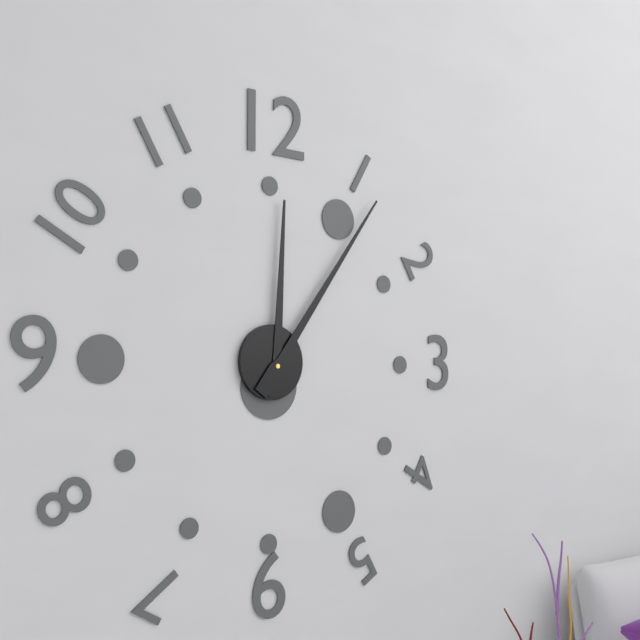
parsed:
12:06
